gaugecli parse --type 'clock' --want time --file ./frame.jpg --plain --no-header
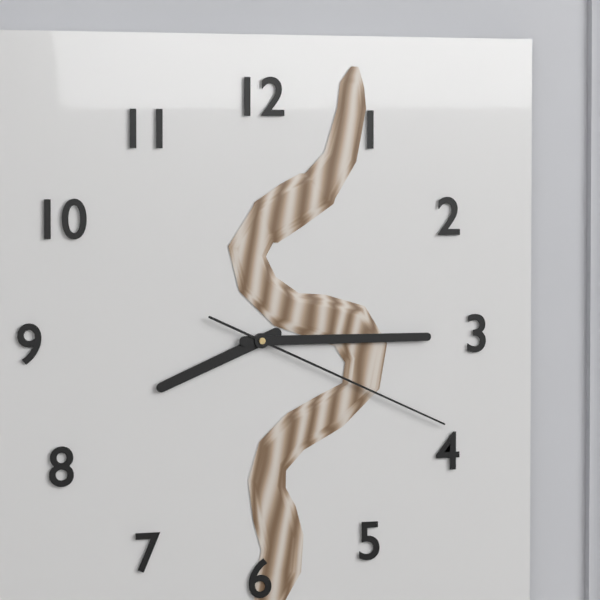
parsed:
8:15:19
